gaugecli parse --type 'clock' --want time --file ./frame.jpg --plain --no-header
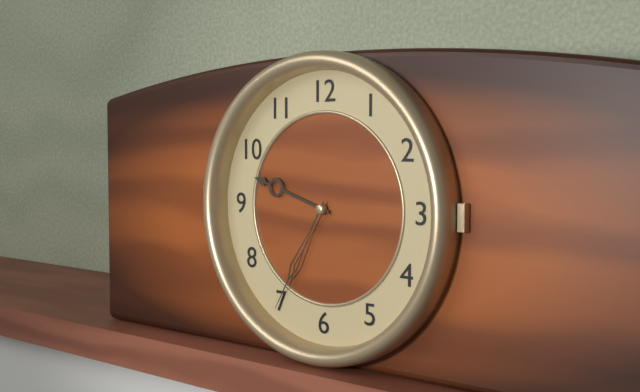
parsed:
9:35
